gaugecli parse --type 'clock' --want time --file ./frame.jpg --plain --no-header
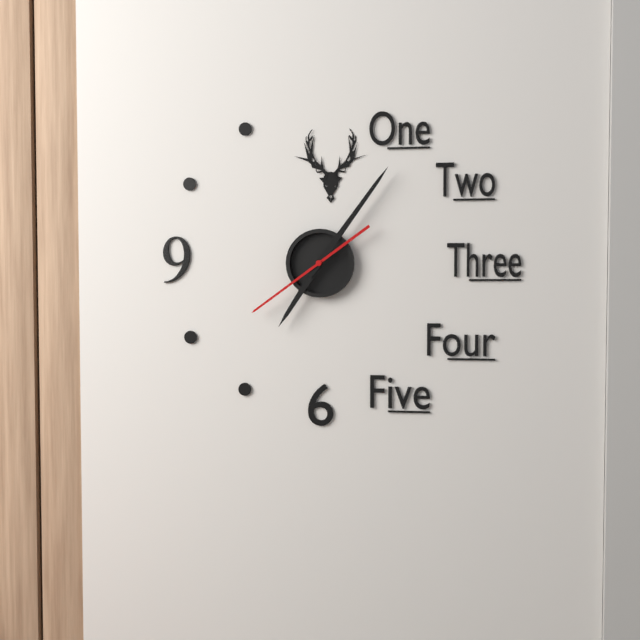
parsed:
7:06:39
